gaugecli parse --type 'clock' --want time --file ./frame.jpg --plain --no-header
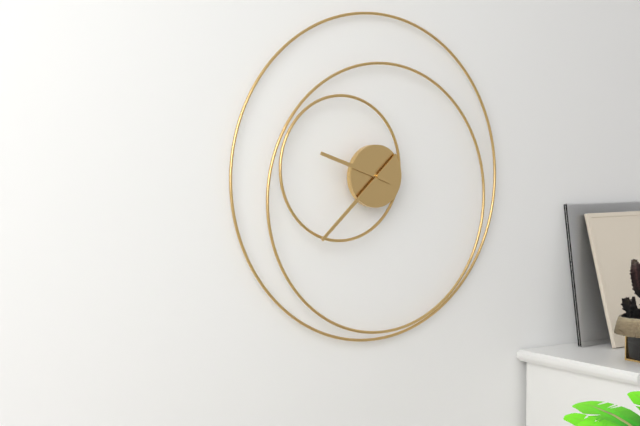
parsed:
9:38
